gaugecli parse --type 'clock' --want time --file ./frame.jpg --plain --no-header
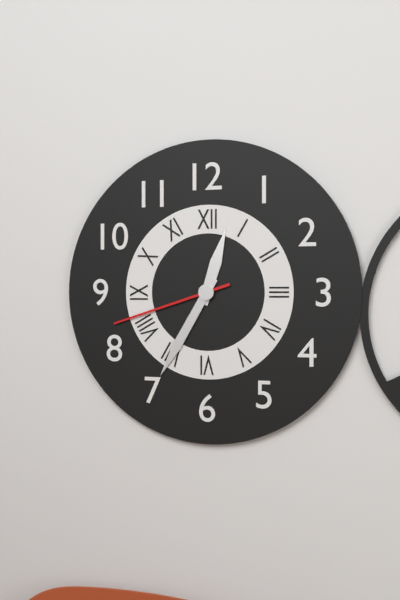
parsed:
12:35:42
